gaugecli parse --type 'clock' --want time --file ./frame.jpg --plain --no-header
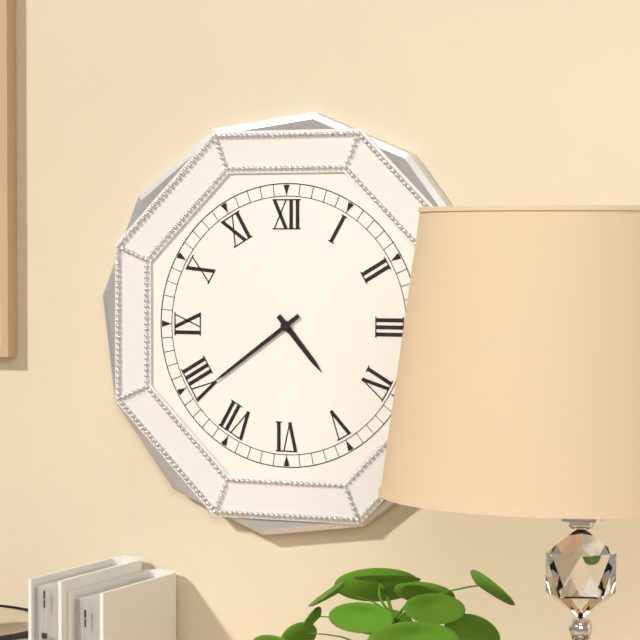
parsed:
4:39
